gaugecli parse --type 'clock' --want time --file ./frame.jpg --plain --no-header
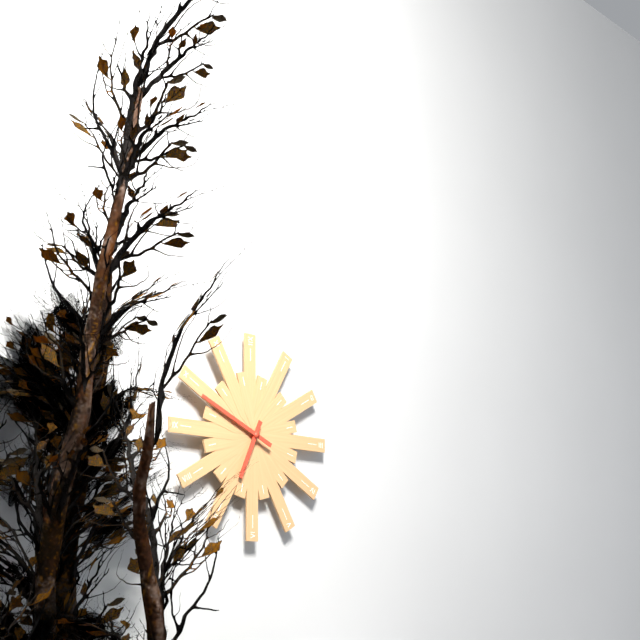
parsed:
6:49
